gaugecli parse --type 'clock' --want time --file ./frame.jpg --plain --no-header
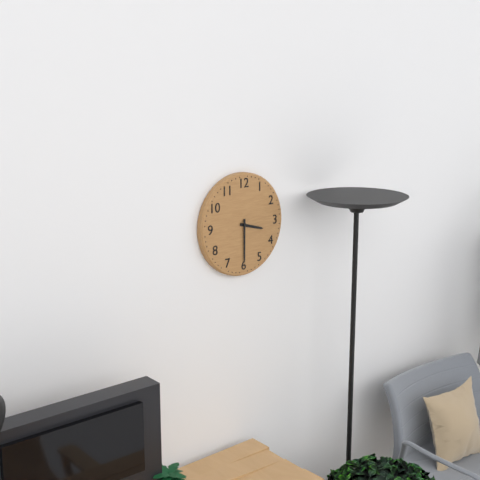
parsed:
3:30
